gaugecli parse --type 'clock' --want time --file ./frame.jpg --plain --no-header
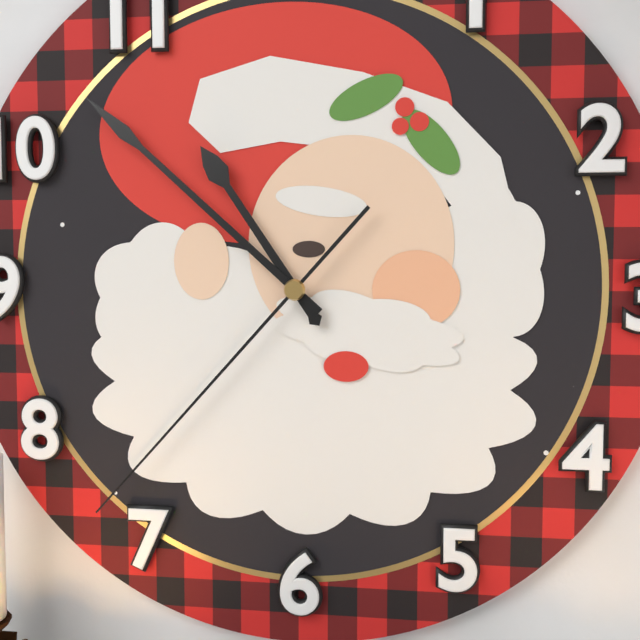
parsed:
10:52:37
